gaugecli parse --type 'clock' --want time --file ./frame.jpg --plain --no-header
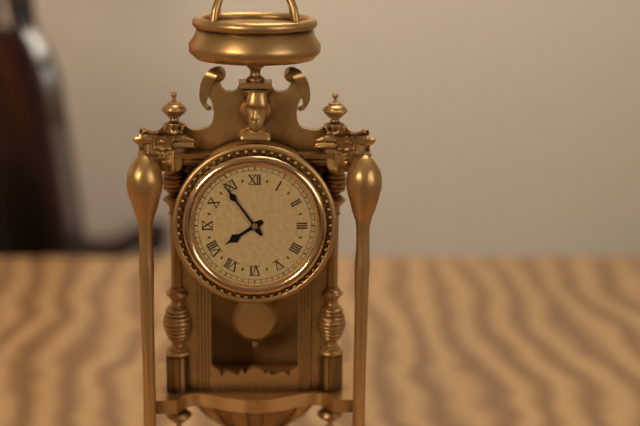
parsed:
7:54
